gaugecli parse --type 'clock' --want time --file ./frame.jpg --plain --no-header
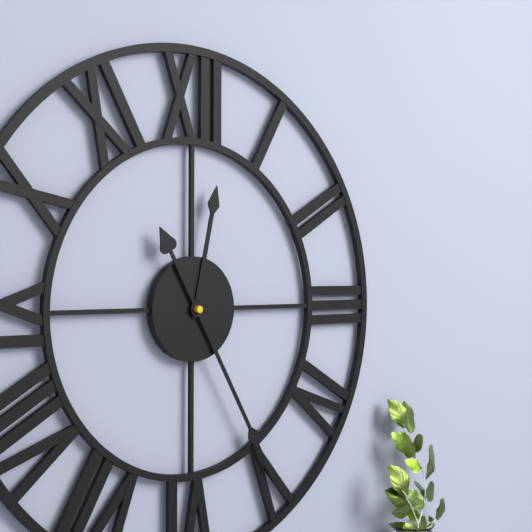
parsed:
12:25
